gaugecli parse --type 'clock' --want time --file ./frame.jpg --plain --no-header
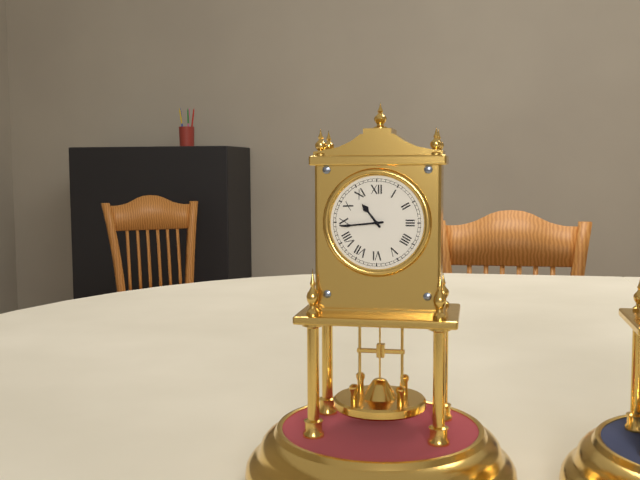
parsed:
10:44
